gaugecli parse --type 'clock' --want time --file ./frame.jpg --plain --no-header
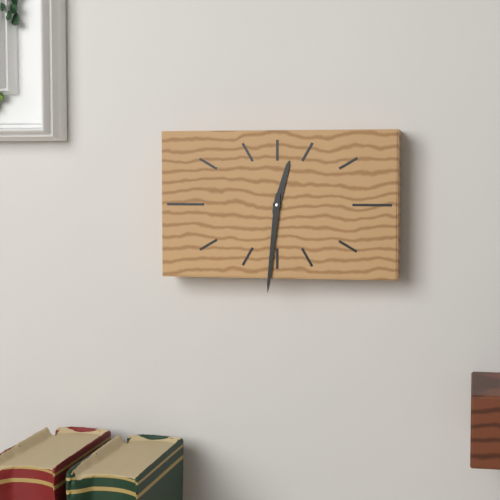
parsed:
12:31
